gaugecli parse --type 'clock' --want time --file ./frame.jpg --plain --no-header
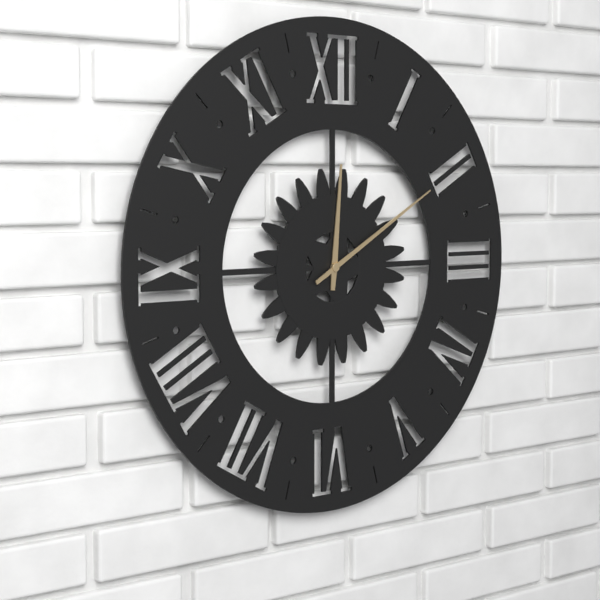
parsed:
12:10
